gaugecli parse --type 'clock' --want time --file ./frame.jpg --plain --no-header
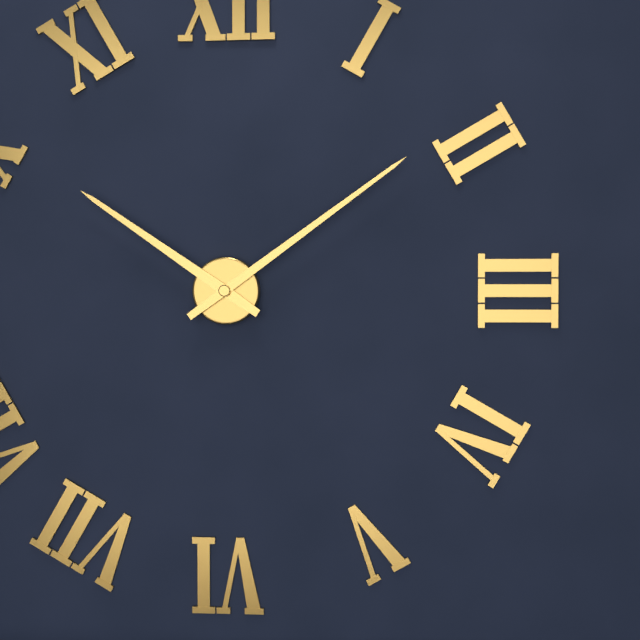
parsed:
10:09
